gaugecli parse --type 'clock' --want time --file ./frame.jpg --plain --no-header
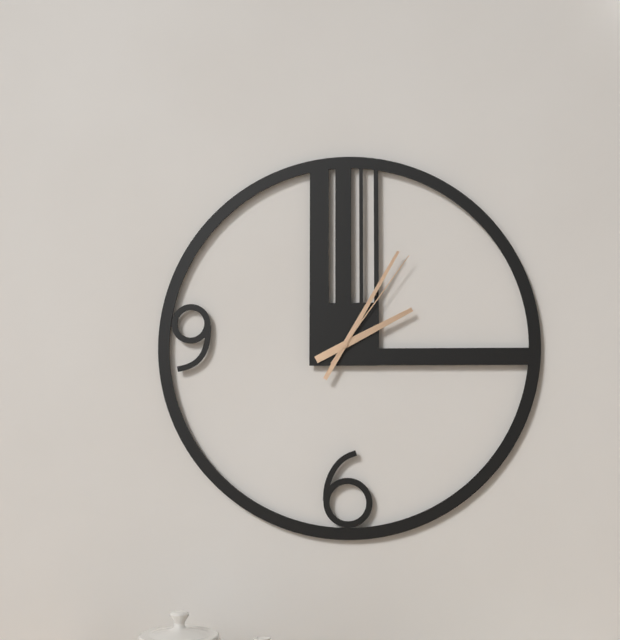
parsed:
2:05:06
